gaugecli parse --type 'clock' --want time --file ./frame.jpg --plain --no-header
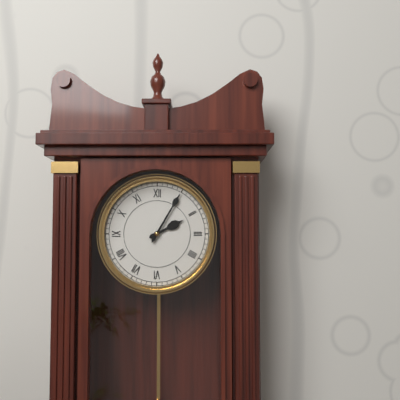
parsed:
2:05
